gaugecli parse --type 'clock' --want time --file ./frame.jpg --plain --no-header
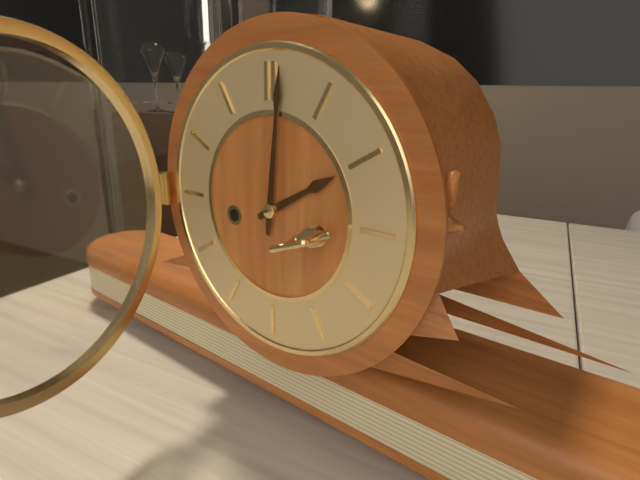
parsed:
2:01
